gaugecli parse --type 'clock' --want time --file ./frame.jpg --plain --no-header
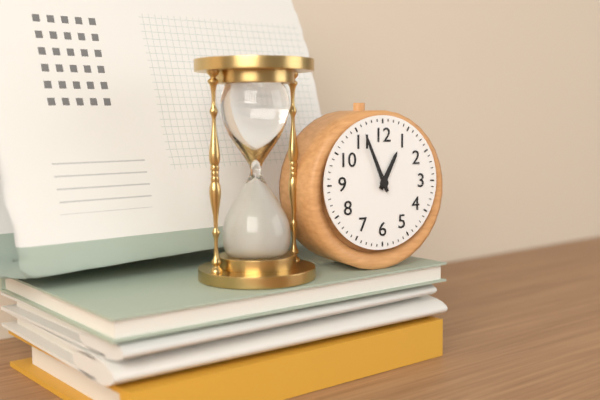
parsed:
12:56
